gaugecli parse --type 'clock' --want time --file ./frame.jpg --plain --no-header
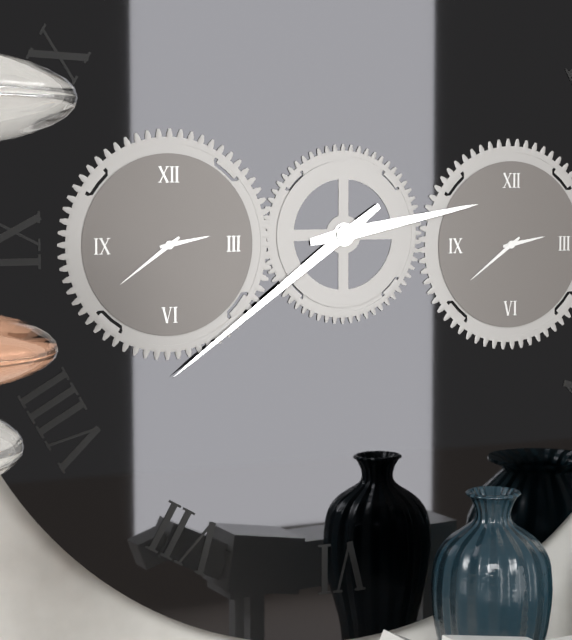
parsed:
2:39
